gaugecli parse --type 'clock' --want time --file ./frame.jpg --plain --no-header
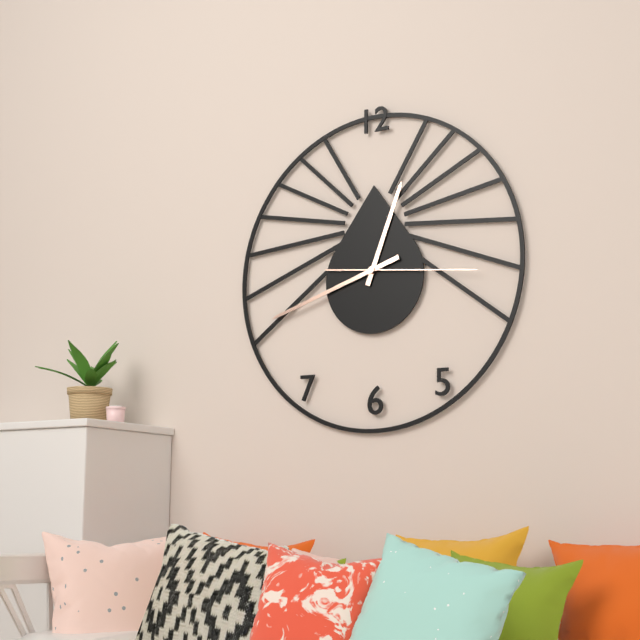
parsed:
12:42:16
